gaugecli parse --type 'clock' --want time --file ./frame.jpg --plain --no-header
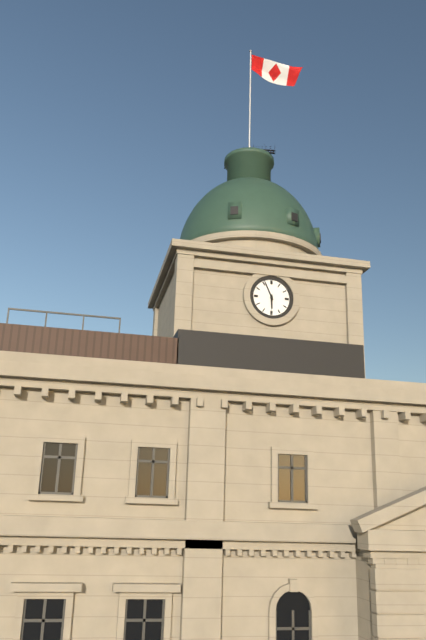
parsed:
5:56
